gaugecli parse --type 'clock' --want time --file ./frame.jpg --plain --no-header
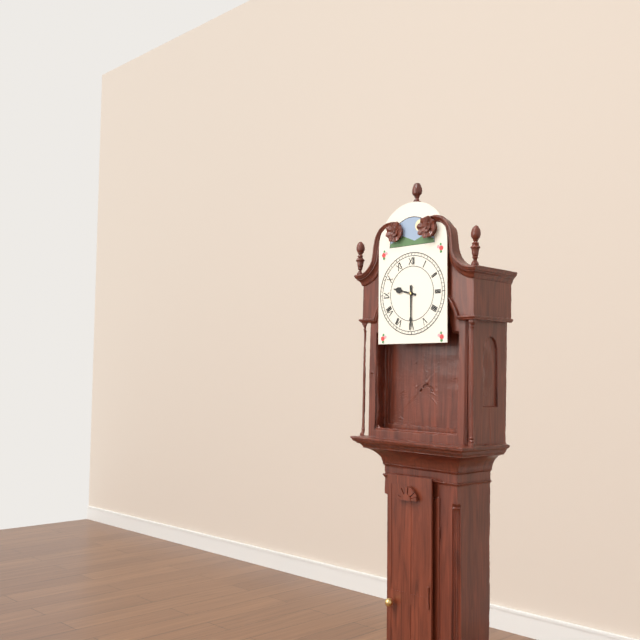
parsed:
9:30
